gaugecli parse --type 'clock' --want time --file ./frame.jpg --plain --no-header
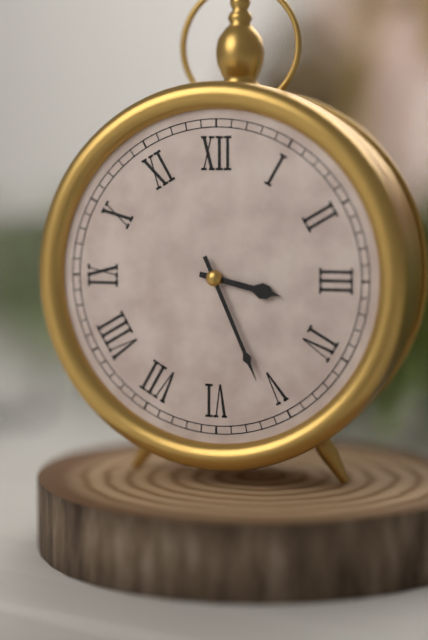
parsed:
3:26
